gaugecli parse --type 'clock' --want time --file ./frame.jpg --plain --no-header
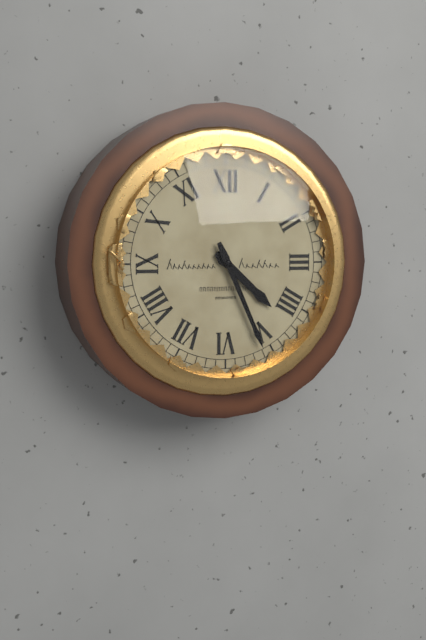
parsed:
4:26
